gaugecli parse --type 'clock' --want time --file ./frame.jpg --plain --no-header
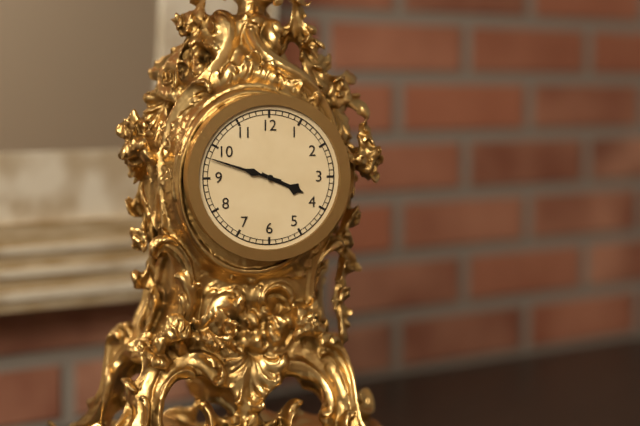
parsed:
3:48
